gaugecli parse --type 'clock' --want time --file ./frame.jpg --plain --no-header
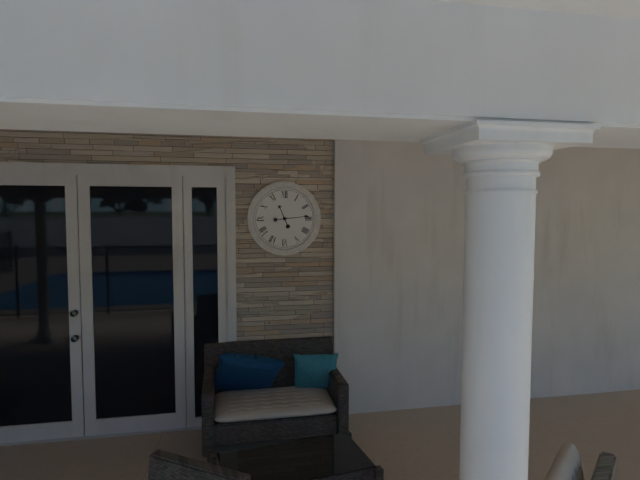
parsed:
11:14
